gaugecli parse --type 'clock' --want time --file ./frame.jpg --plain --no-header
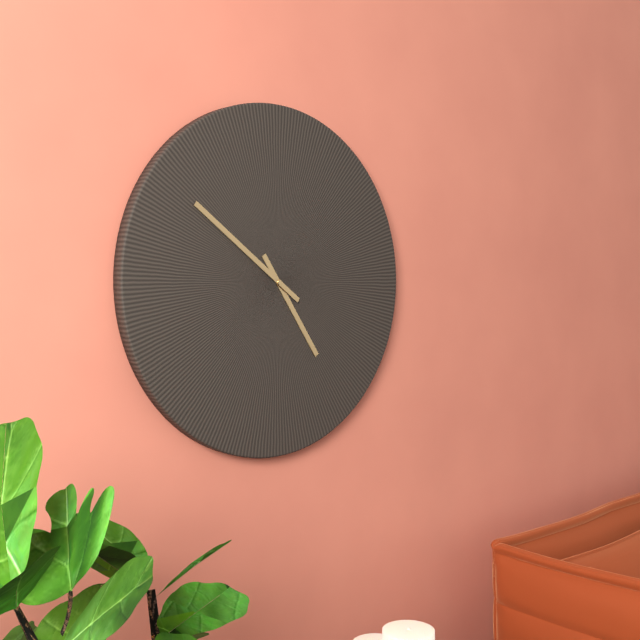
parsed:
4:51
